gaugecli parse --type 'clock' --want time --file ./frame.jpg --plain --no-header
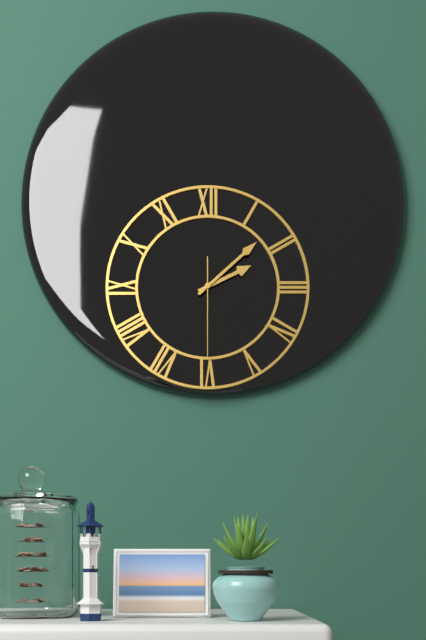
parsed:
2:08:30
